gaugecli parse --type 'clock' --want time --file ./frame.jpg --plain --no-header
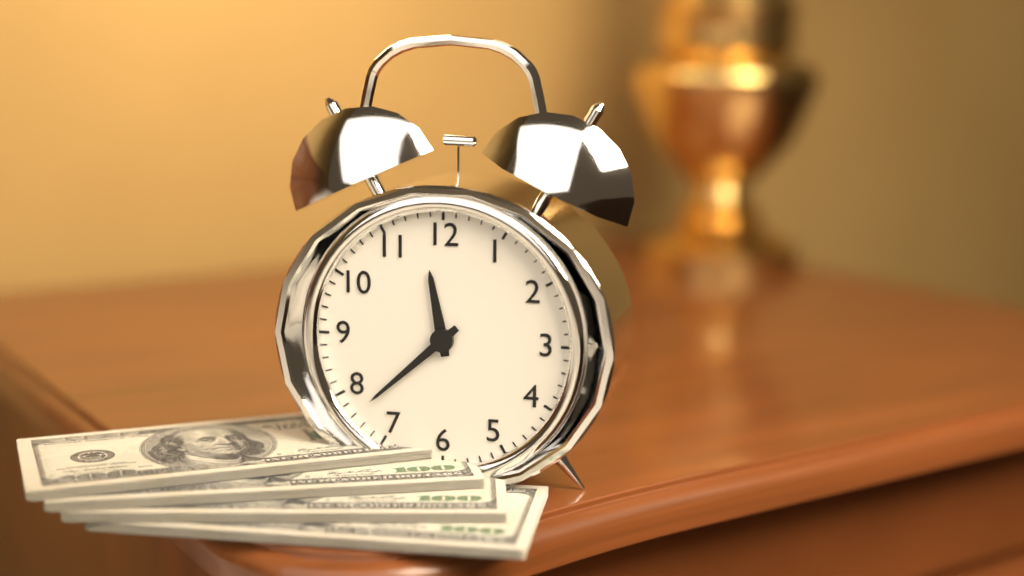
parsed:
11:38
